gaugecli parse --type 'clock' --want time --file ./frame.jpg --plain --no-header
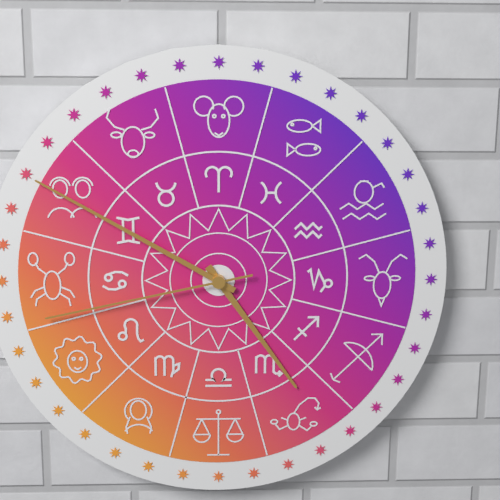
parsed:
4:50:43
